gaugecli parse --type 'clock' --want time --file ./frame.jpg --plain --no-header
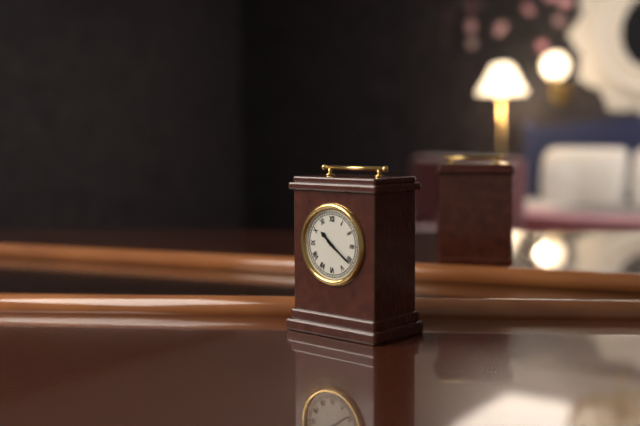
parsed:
10:21
